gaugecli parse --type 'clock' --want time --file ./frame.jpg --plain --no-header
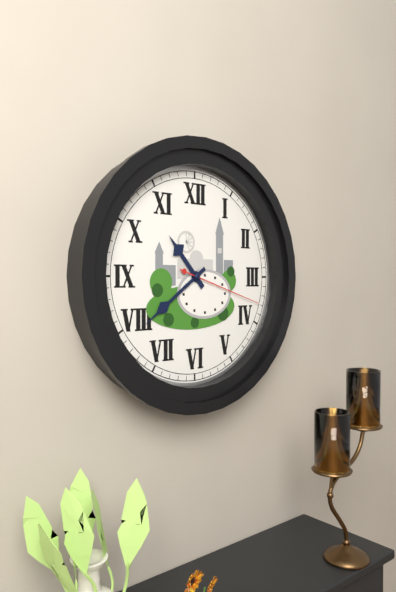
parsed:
10:39:18
